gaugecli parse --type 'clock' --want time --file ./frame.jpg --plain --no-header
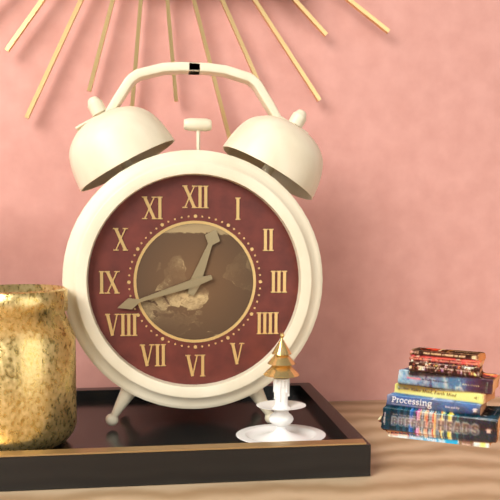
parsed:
12:42
